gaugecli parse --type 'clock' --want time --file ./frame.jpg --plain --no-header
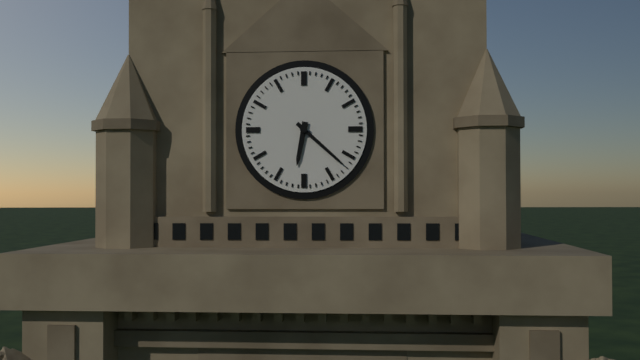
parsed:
6:22
